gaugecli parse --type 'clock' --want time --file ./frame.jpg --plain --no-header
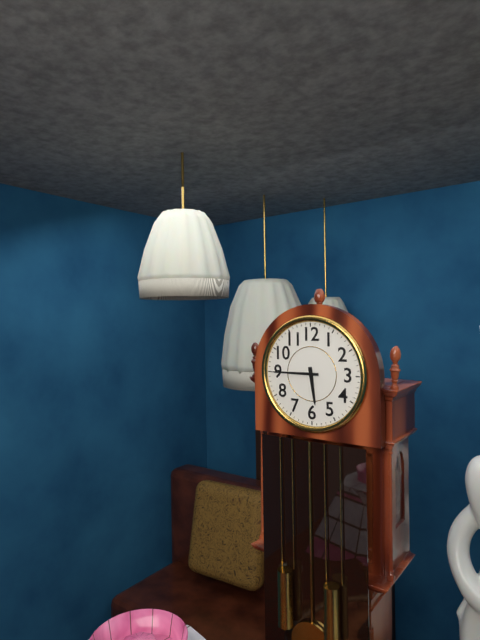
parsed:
5:45
